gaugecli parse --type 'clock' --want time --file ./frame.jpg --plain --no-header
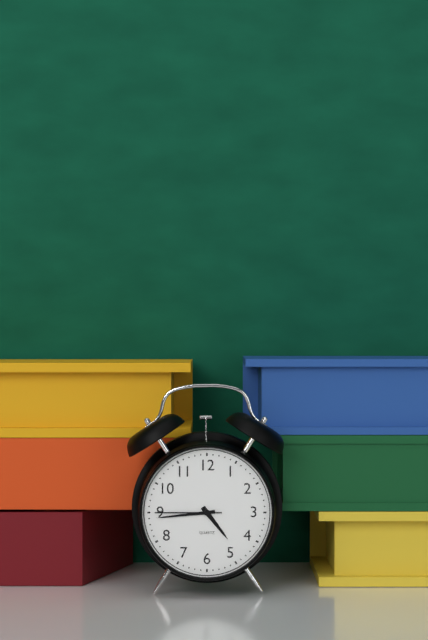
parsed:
4:44:45
